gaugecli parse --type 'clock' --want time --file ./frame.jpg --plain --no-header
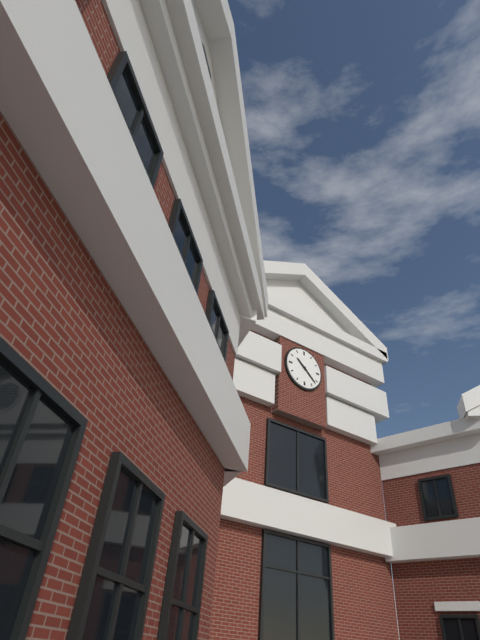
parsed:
10:22
